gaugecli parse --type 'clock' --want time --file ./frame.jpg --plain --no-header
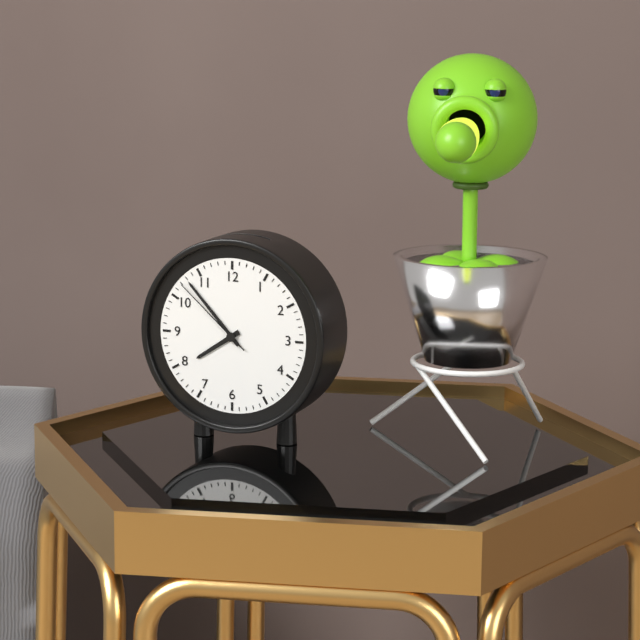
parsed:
7:53:52
